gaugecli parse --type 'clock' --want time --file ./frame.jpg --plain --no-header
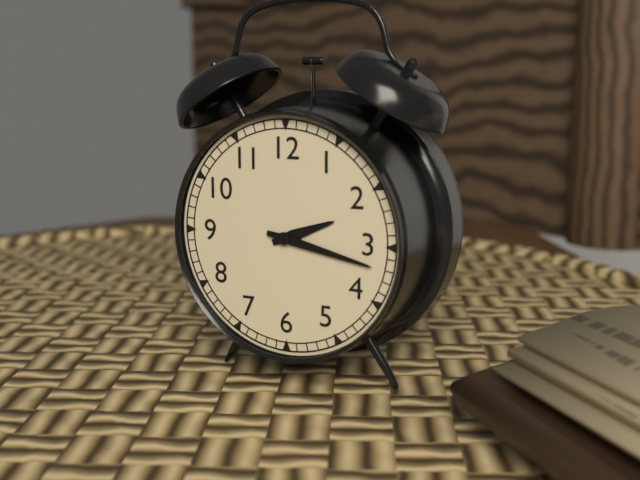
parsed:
2:17
